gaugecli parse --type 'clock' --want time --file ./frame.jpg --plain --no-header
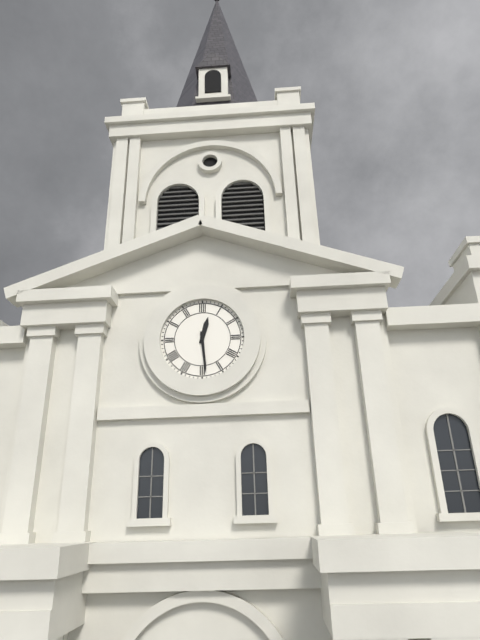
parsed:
12:29
